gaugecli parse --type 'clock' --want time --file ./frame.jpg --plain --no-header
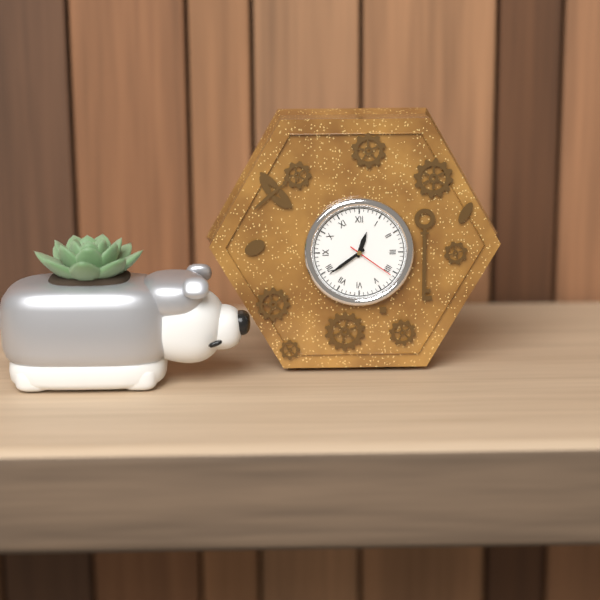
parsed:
12:39
